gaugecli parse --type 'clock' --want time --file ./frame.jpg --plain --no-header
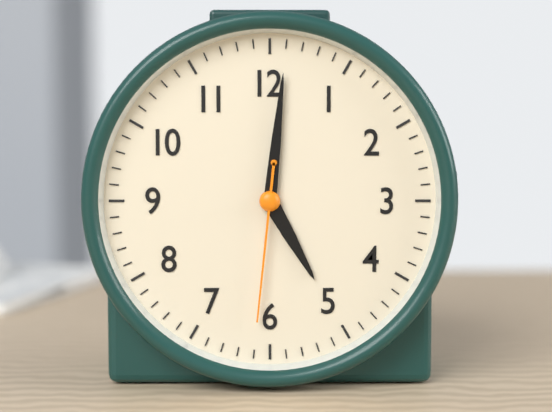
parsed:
5:01:31
